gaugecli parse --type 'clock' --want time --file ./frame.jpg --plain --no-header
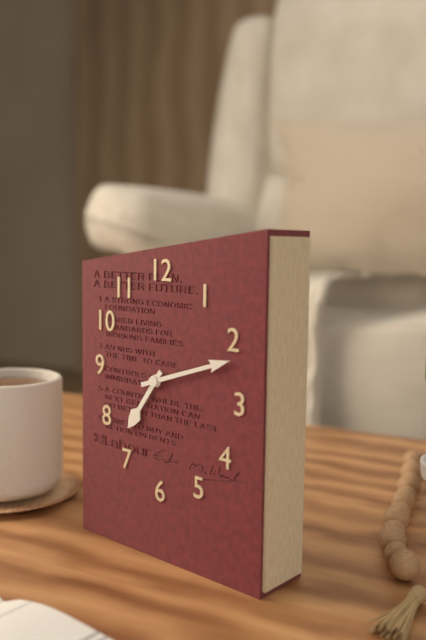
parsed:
7:12
